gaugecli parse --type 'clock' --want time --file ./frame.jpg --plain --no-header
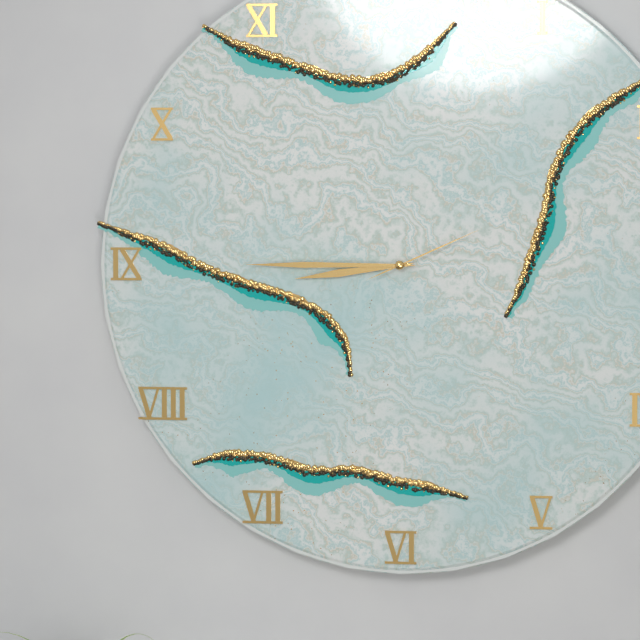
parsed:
8:45:11
